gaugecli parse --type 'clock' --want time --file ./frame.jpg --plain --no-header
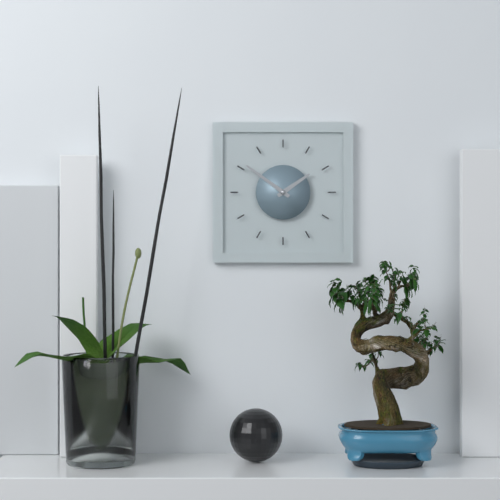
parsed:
1:51
